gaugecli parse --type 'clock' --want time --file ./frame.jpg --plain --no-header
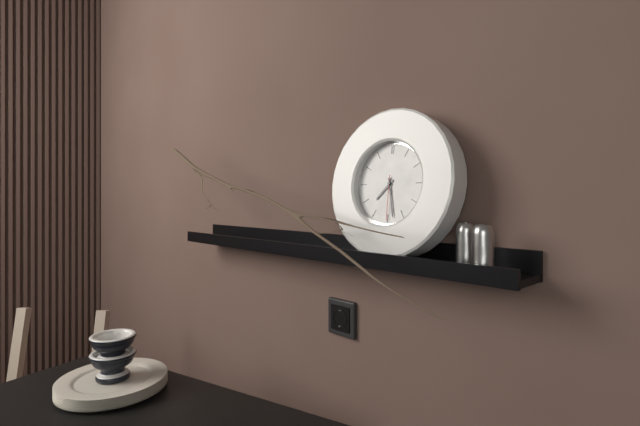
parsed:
7:28
